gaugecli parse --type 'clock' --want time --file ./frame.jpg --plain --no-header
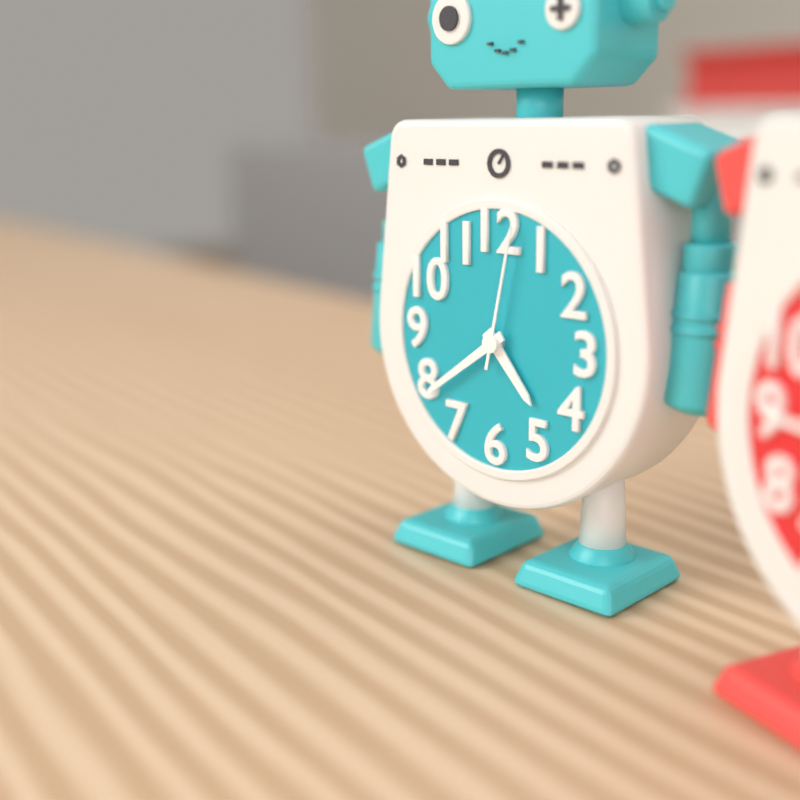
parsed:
4:39:02
